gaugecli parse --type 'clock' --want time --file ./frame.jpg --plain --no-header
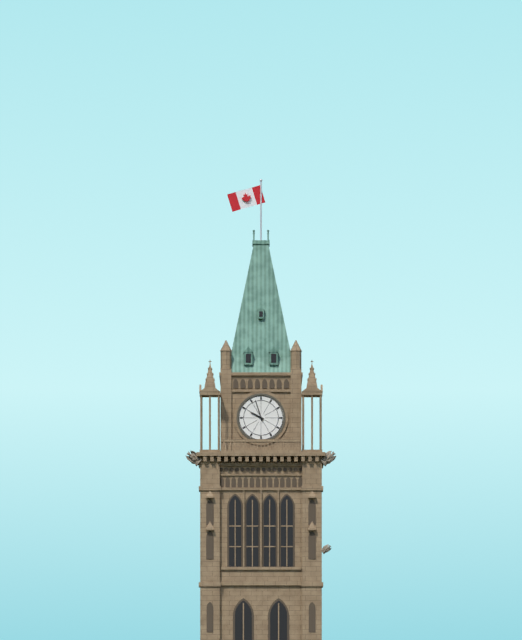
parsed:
9:57
